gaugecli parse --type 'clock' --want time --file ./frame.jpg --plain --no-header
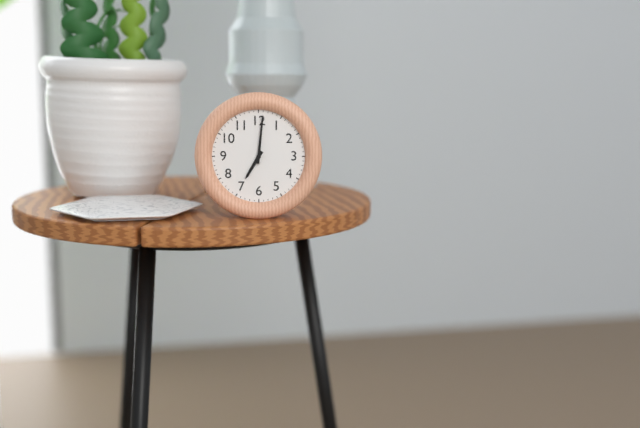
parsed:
7:01
